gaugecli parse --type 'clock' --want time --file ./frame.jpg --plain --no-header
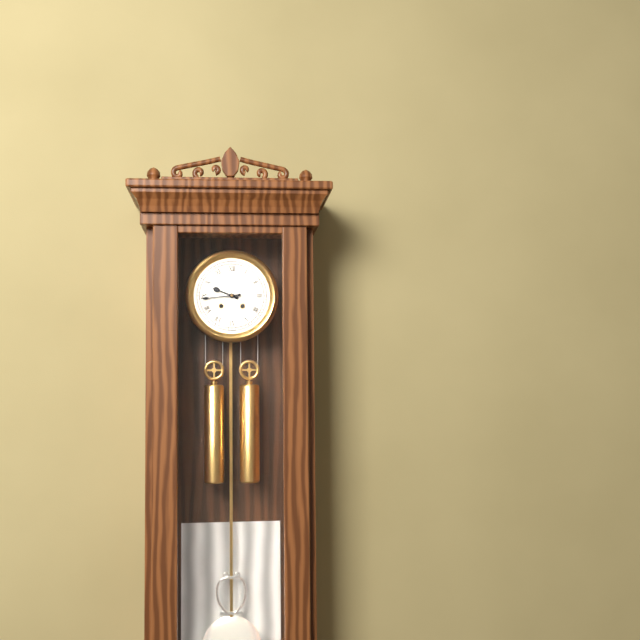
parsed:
9:44
